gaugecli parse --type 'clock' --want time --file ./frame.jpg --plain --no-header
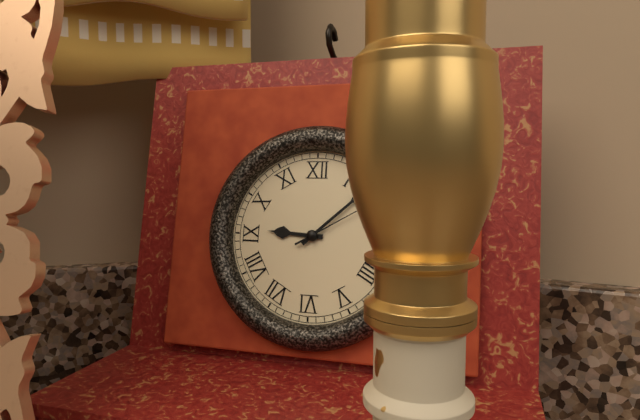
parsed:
9:08
